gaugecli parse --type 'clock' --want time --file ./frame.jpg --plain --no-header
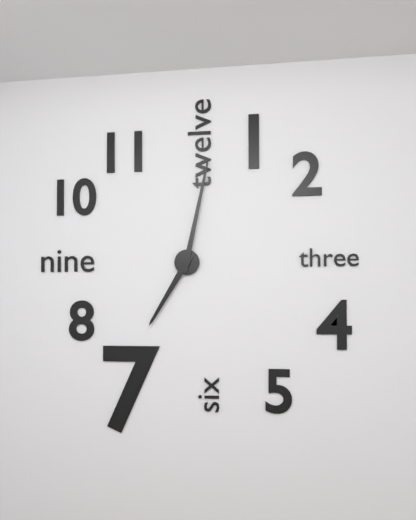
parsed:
7:02
